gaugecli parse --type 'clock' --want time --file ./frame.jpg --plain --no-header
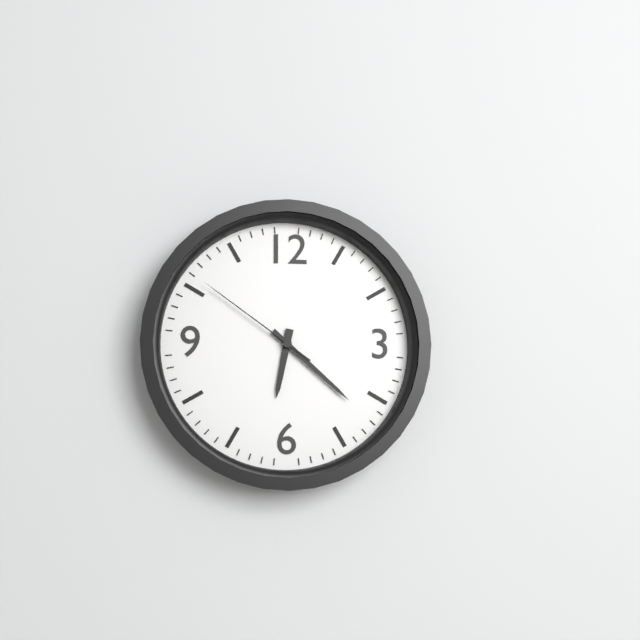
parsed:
6:22:51
